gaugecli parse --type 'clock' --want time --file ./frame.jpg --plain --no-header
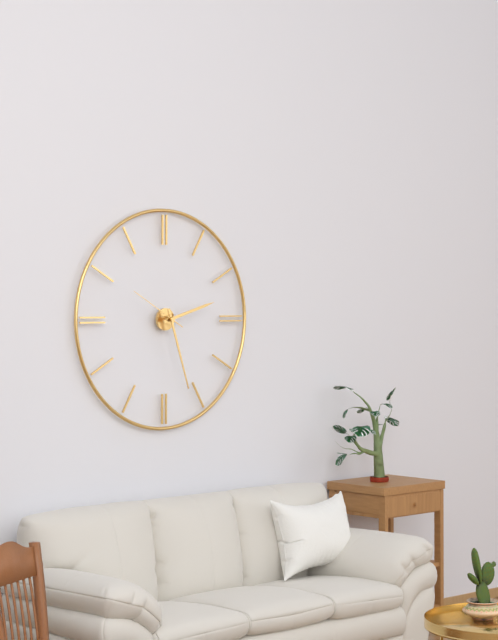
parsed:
2:27:50
